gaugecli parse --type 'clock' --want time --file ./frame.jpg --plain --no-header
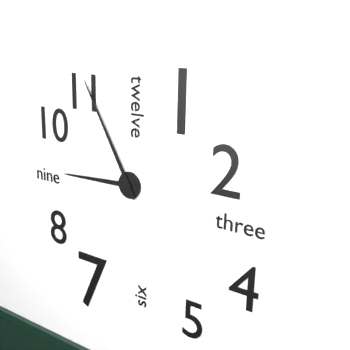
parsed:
8:55
